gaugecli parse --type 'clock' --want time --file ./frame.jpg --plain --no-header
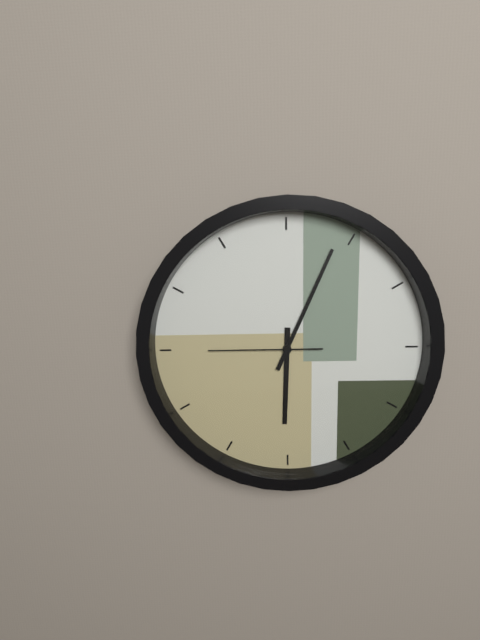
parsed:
6:04:45
